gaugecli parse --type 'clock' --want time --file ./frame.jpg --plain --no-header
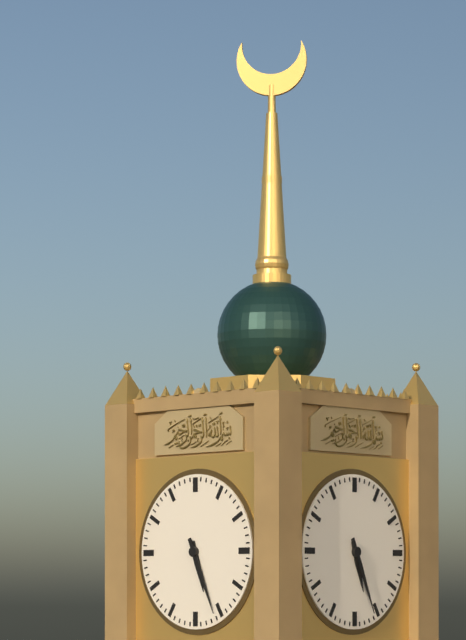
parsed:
5:26
